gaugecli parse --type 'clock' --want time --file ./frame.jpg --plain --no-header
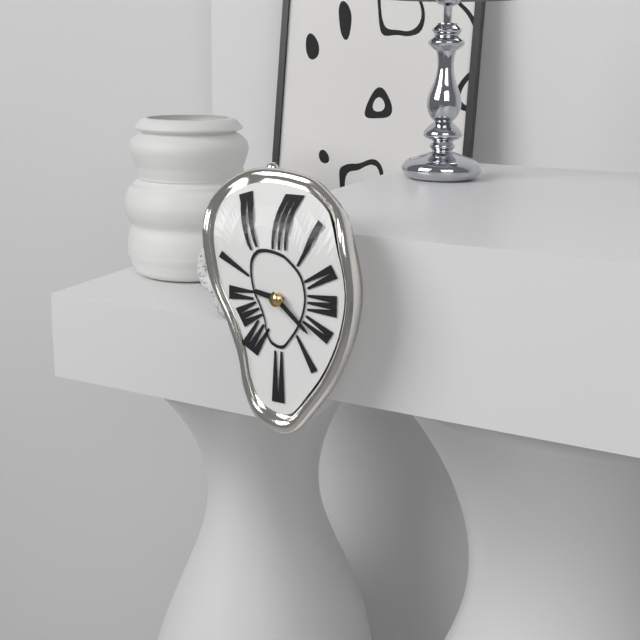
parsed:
9:22
